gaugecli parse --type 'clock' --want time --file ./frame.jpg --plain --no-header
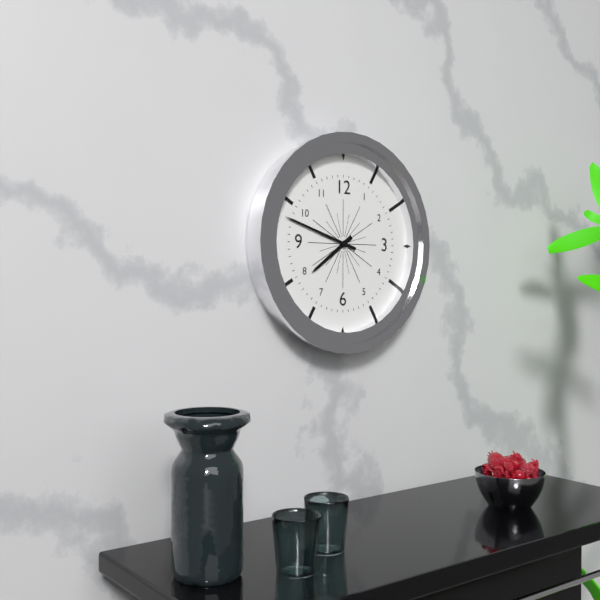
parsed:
7:48
